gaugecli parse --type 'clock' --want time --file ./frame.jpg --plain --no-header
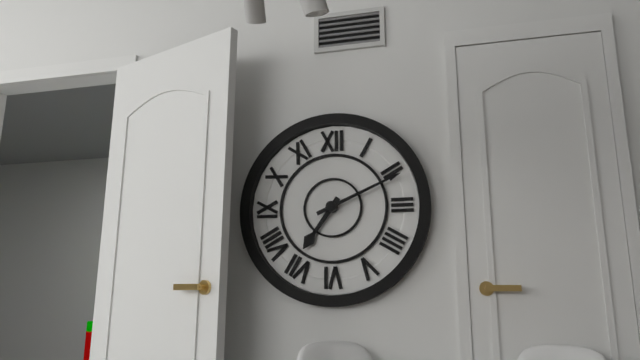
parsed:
7:11
